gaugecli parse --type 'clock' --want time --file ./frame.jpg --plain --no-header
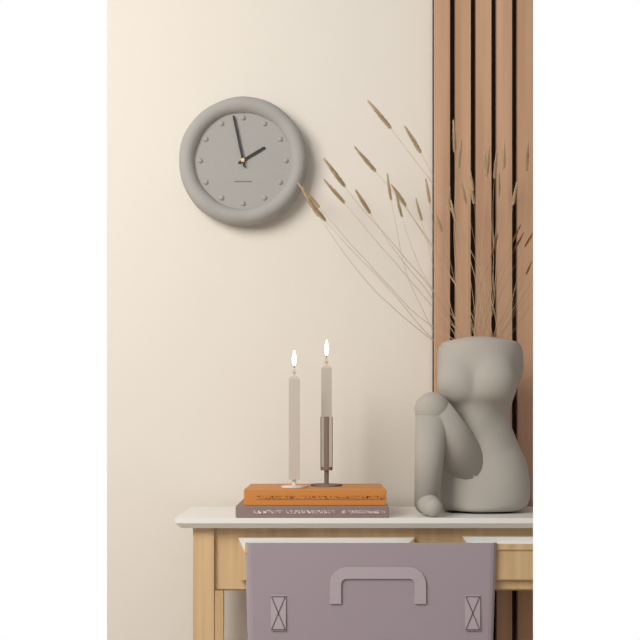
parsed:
1:58
